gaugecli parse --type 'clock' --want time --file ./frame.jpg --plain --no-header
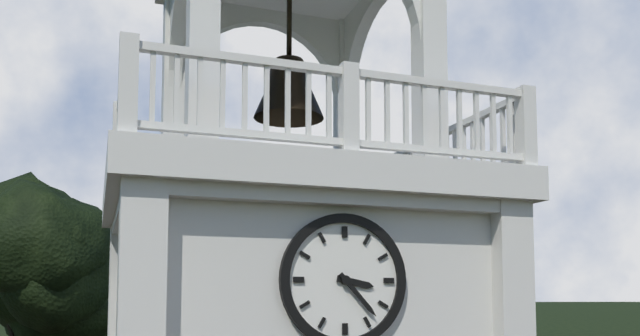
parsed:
3:23
